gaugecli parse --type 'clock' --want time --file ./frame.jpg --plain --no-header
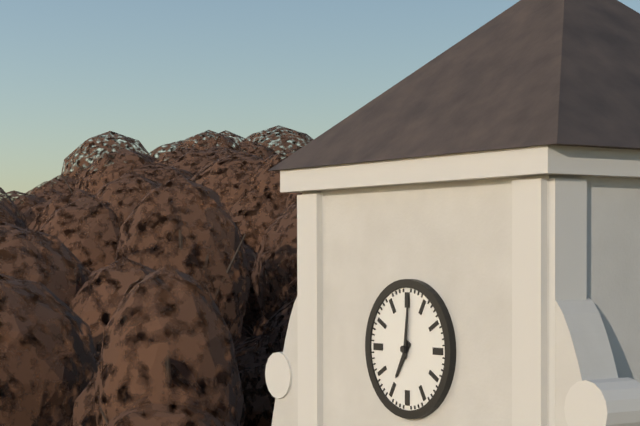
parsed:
7:01
